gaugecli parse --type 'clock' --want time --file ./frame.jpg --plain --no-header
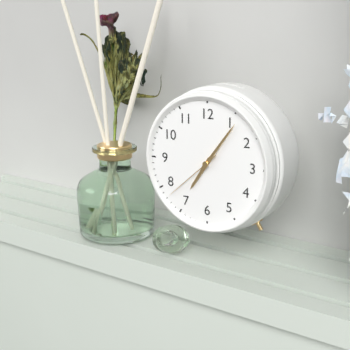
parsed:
7:06:38
